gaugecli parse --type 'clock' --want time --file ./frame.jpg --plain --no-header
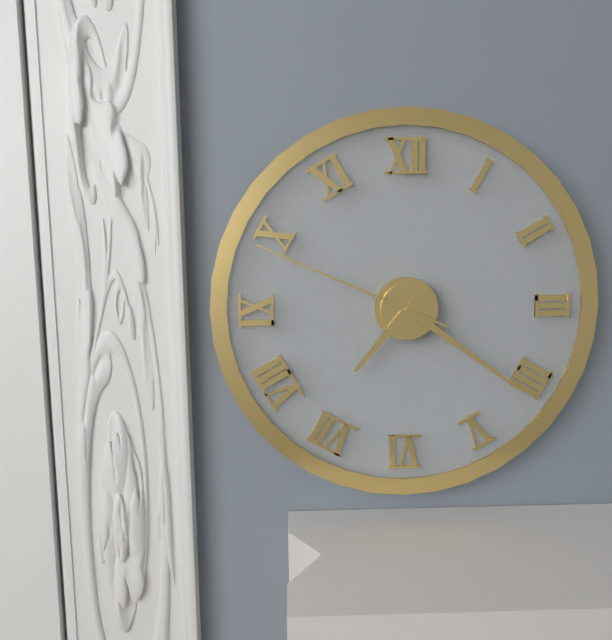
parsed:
7:21:49
